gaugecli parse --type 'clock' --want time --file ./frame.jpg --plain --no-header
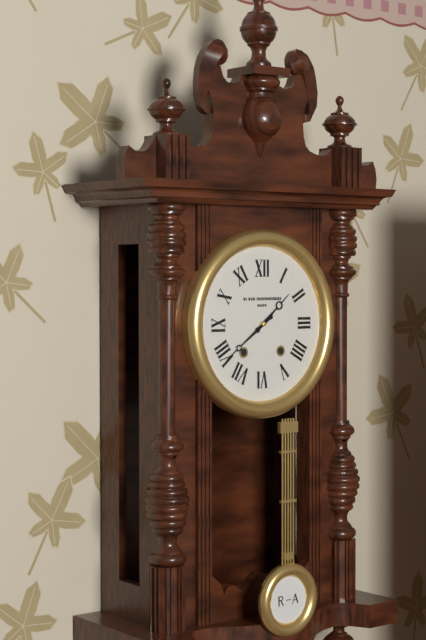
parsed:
1:39
